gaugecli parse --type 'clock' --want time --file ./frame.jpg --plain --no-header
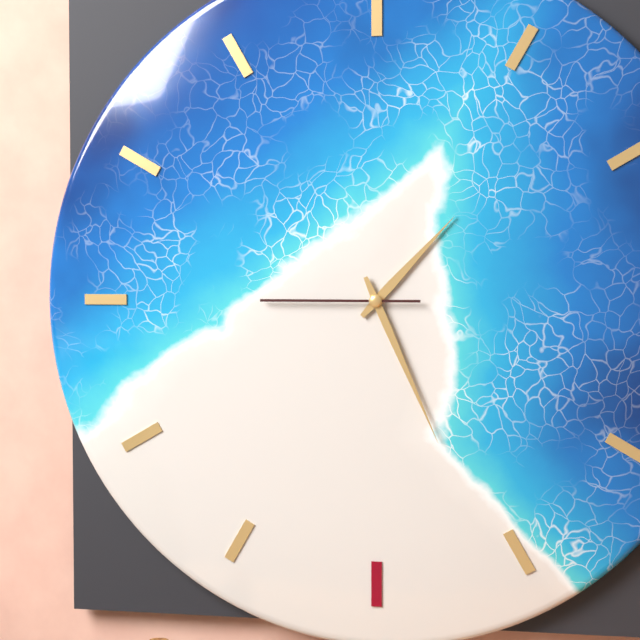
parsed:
1:26:45
